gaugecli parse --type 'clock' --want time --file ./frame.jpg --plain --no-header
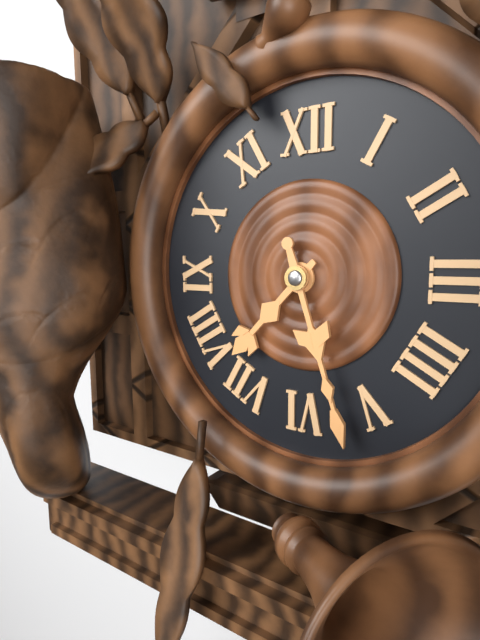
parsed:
7:27
